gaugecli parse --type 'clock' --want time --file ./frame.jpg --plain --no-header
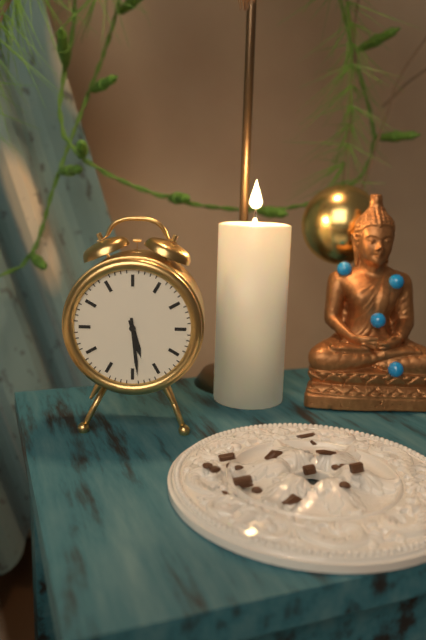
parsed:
5:29
